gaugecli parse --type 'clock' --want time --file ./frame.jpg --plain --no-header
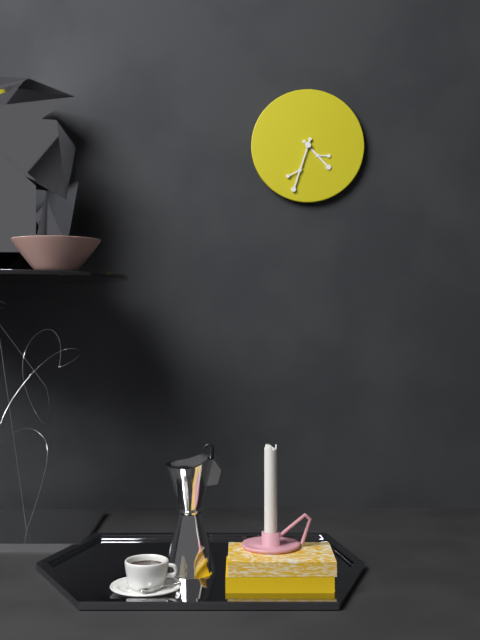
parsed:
4:33
